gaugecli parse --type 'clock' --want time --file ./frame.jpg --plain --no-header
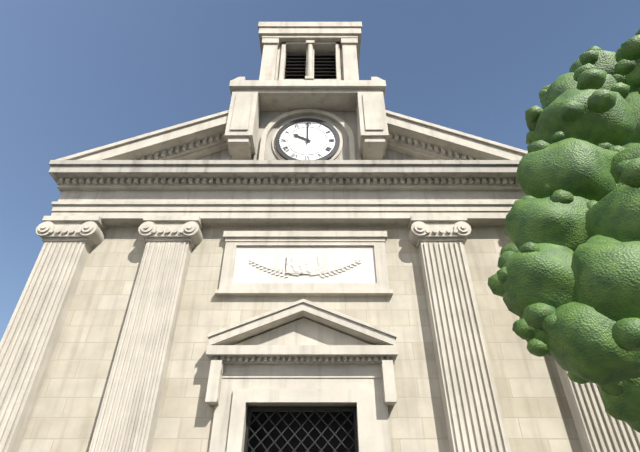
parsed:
10:00
